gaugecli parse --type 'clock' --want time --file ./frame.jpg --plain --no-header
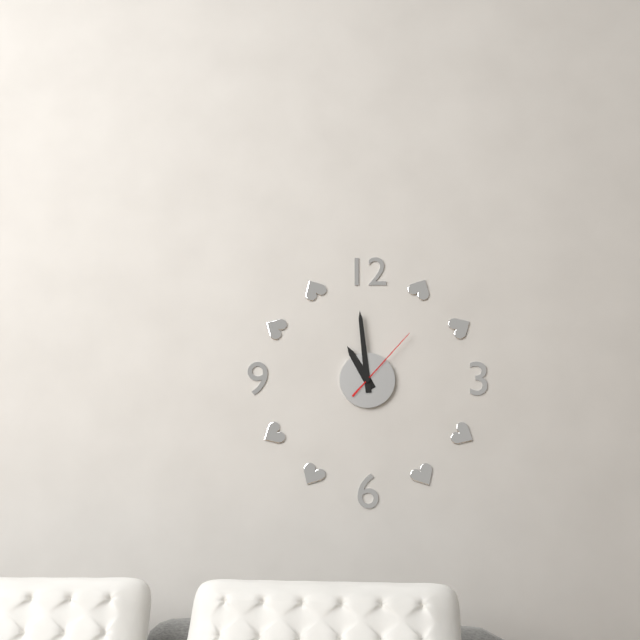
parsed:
10:59:07
